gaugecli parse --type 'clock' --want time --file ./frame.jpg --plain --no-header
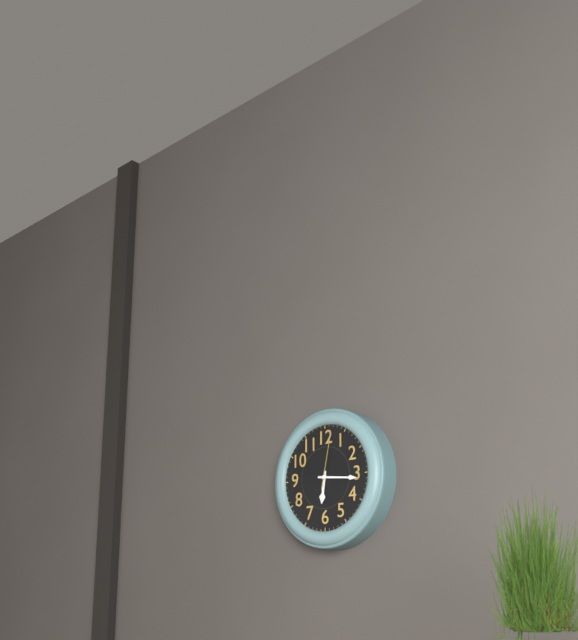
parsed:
6:16:02
